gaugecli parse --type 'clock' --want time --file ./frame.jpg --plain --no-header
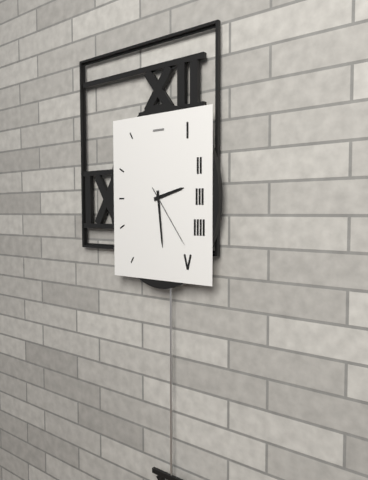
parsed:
2:29:24
